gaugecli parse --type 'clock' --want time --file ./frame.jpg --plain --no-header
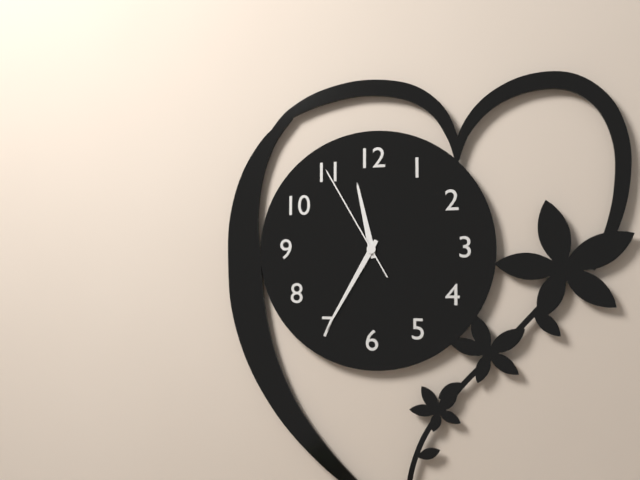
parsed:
11:35:55
